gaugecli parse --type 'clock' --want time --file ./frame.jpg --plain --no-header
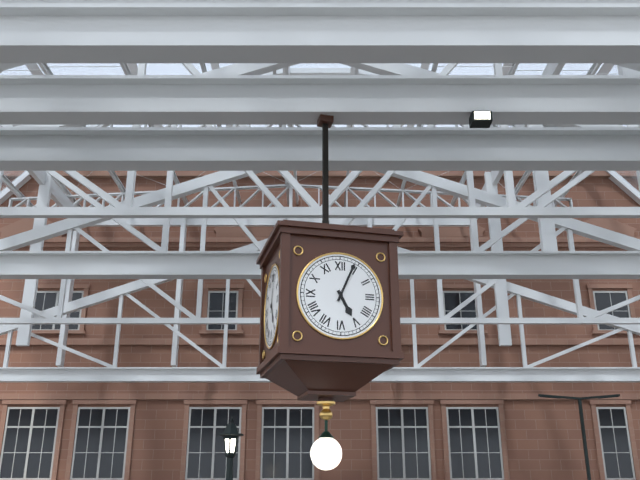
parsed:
5:04
